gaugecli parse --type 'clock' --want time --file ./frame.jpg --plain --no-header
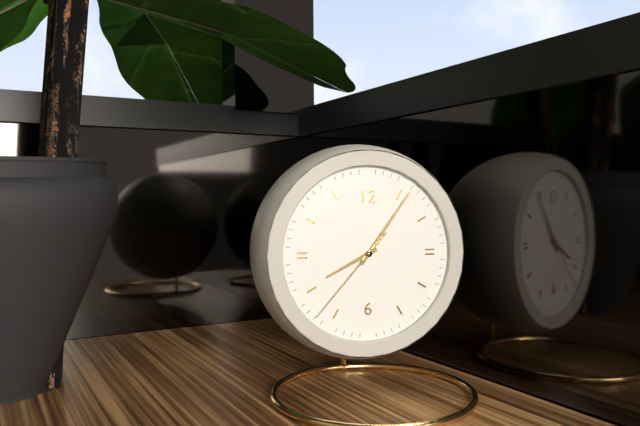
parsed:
8:06:37
